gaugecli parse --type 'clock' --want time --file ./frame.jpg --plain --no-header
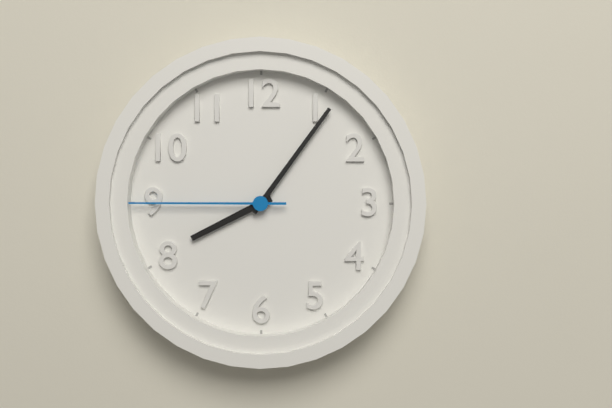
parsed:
8:06:45
